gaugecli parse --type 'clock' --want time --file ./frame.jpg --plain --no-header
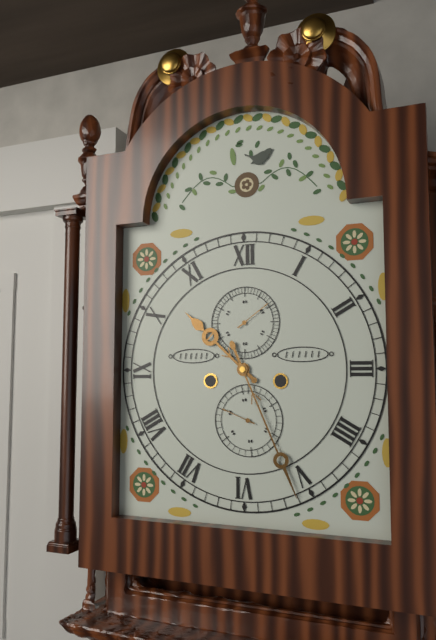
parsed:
10:26
